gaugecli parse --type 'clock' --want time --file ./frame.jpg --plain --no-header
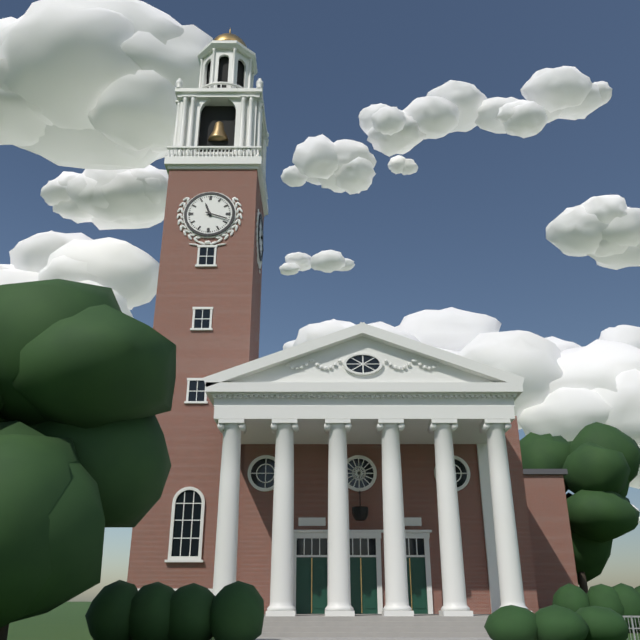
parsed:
11:18
